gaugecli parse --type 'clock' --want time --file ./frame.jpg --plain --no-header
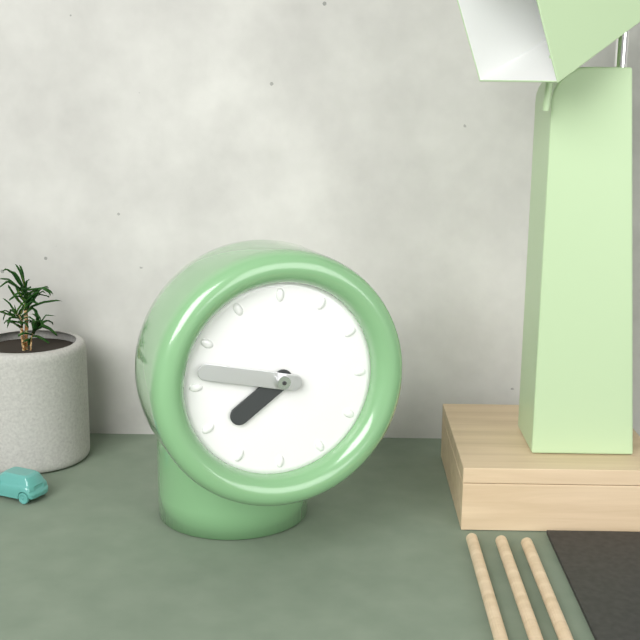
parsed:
7:47
